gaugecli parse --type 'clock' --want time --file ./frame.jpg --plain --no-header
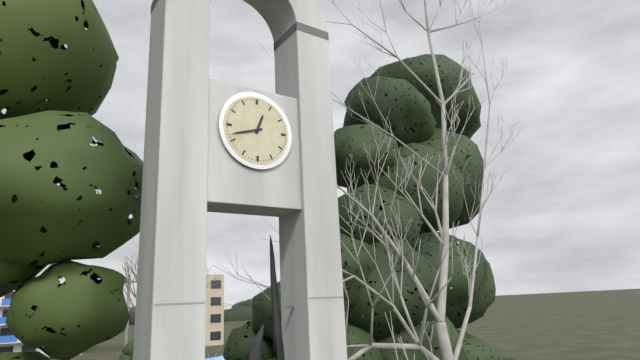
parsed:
12:42
